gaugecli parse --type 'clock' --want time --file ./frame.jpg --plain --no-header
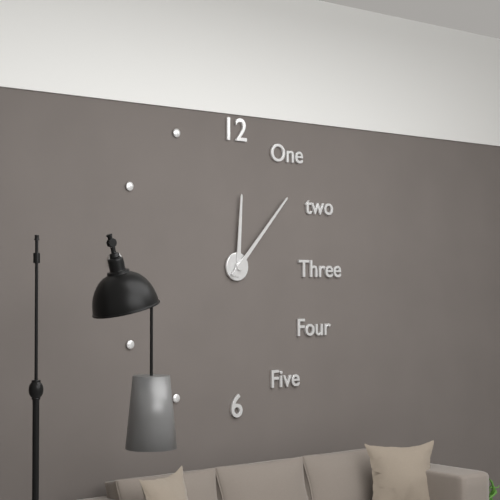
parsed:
12:07
